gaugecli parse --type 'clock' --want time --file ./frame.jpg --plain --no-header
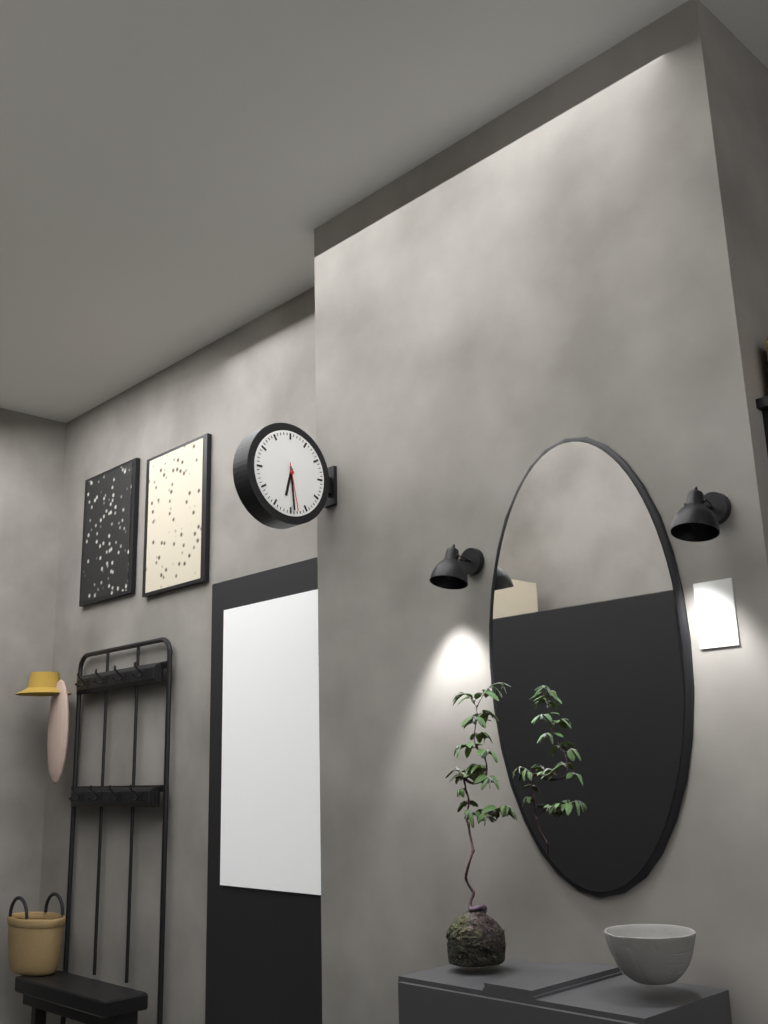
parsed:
6:29
